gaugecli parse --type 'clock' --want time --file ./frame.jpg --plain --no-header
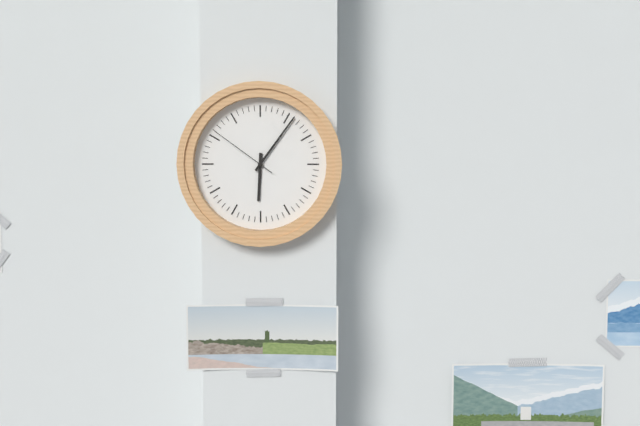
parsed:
6:06:51
